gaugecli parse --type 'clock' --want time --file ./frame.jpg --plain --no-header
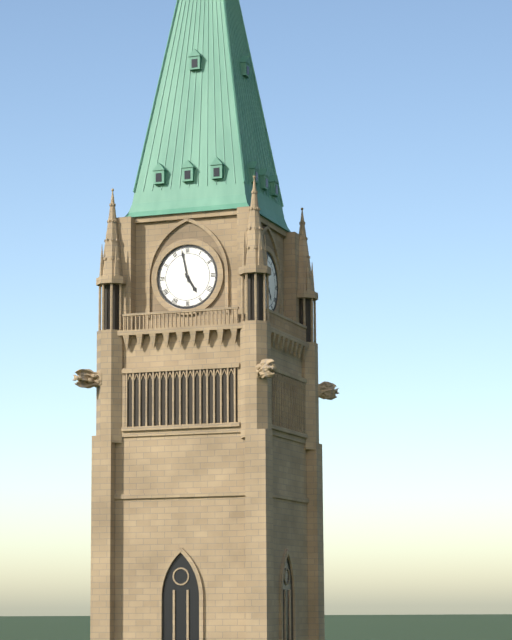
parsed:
4:58
